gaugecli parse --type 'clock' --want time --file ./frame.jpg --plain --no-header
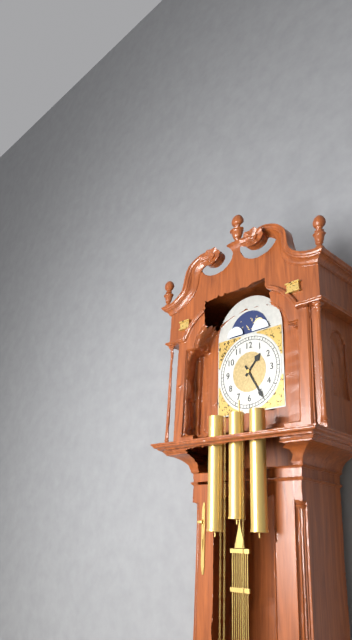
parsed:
1:25
